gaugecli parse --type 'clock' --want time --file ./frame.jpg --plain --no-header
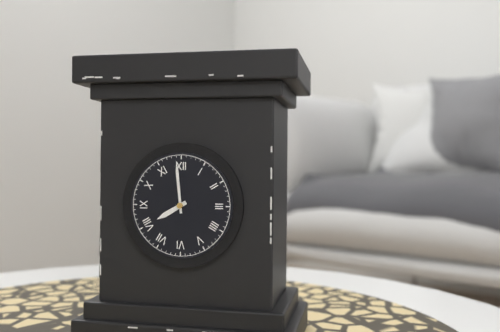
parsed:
7:59
